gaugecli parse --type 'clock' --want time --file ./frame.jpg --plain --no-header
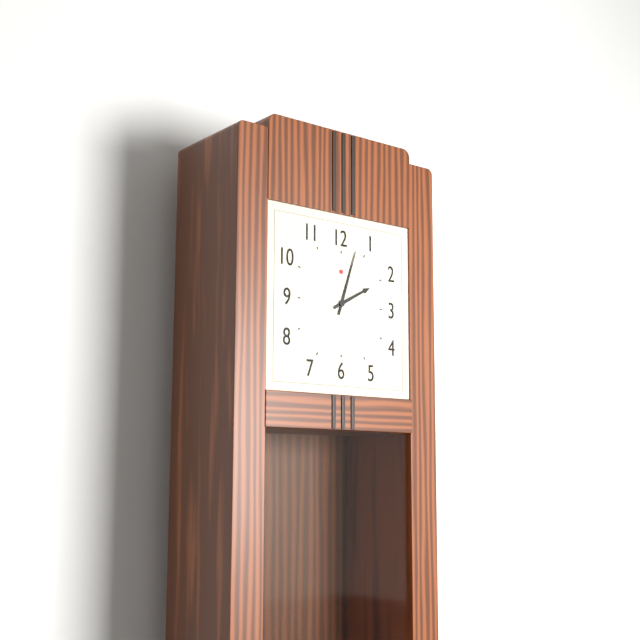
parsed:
2:03
